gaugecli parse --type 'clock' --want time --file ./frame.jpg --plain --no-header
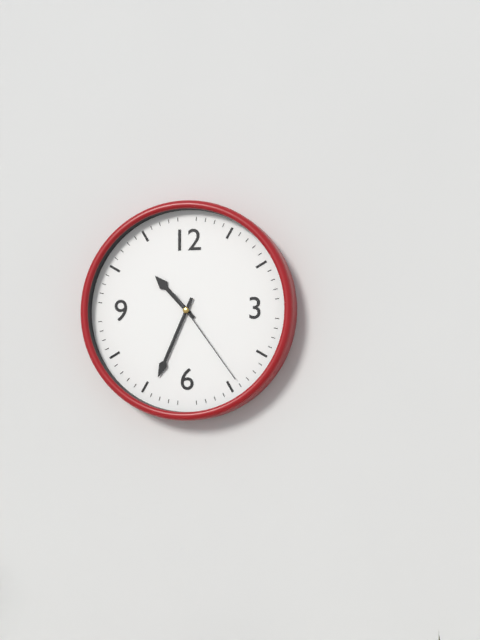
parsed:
10:34:24
